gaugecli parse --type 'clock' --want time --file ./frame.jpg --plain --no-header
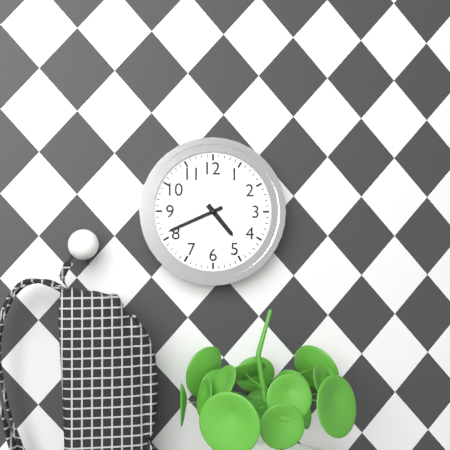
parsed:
4:41
